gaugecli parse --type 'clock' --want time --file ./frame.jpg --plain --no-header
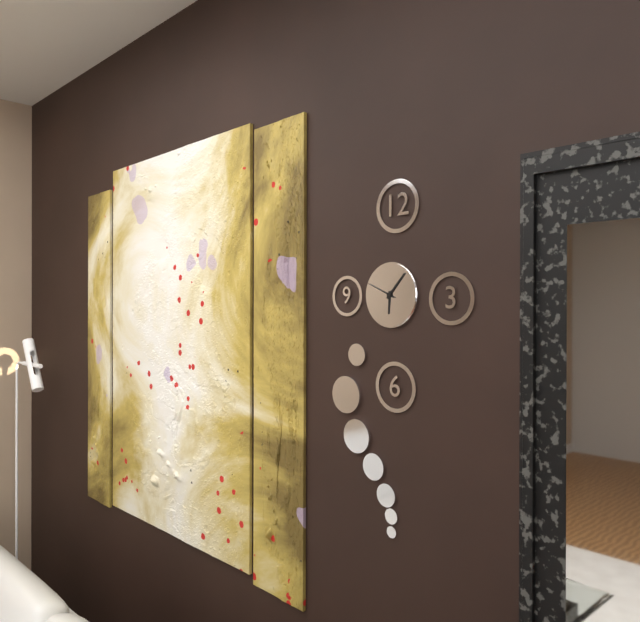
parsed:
6:07
